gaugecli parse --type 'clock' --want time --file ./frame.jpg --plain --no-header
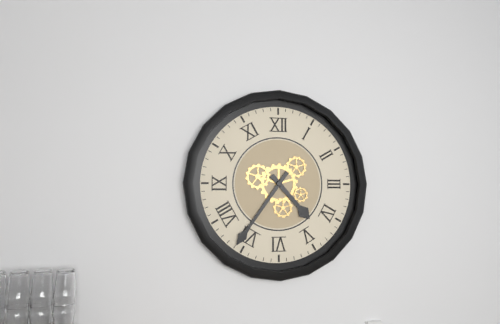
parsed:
4:36
